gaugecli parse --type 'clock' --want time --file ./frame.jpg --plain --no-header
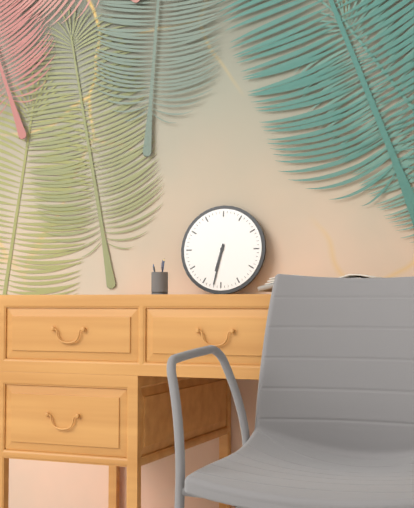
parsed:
6:32
